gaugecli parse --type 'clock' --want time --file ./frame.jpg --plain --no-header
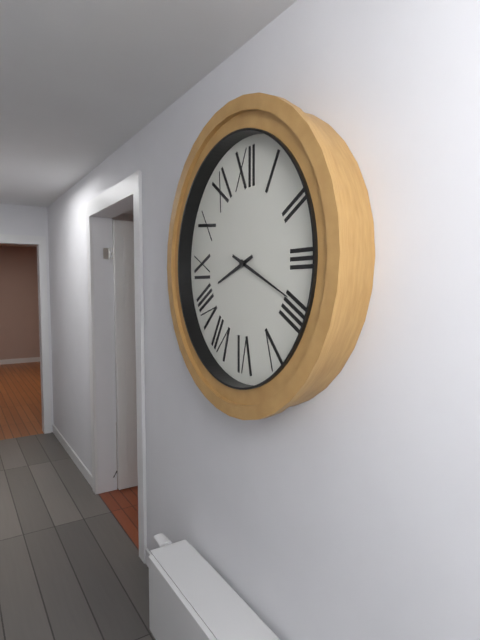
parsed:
8:19
